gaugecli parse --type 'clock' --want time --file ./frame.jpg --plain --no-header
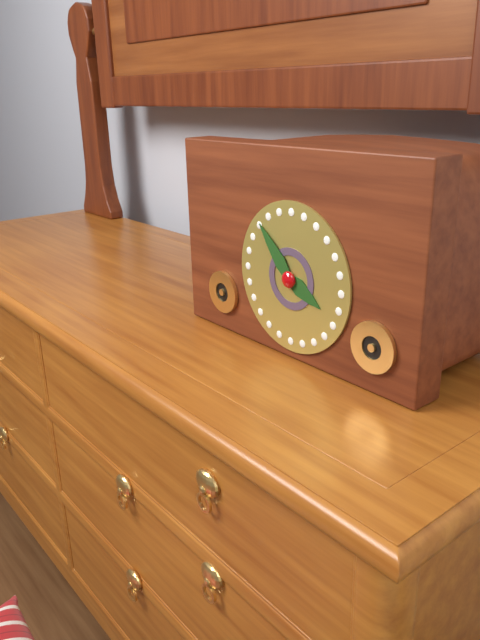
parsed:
3:53
